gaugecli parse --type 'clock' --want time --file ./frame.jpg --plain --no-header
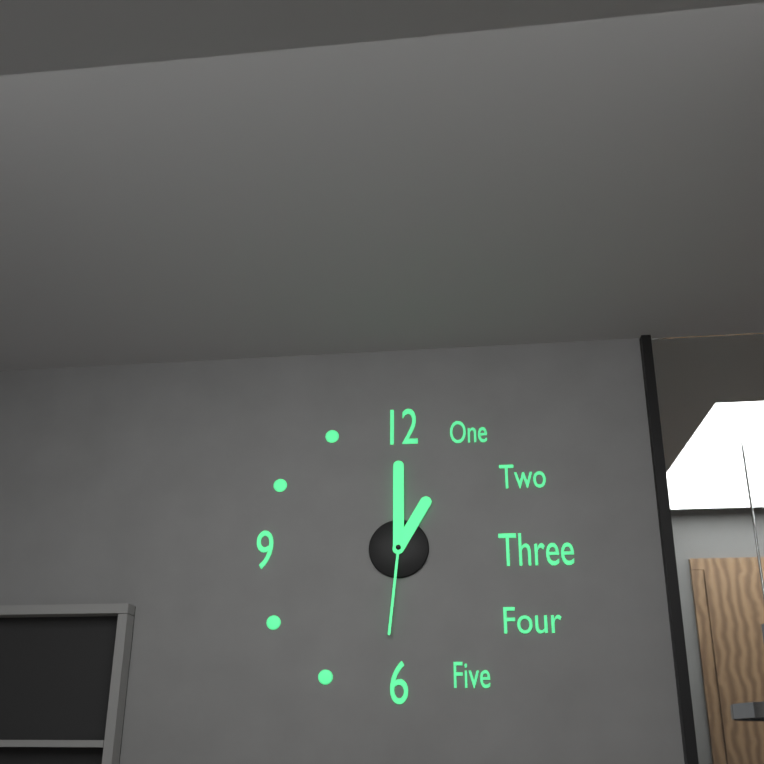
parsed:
1:00:31
